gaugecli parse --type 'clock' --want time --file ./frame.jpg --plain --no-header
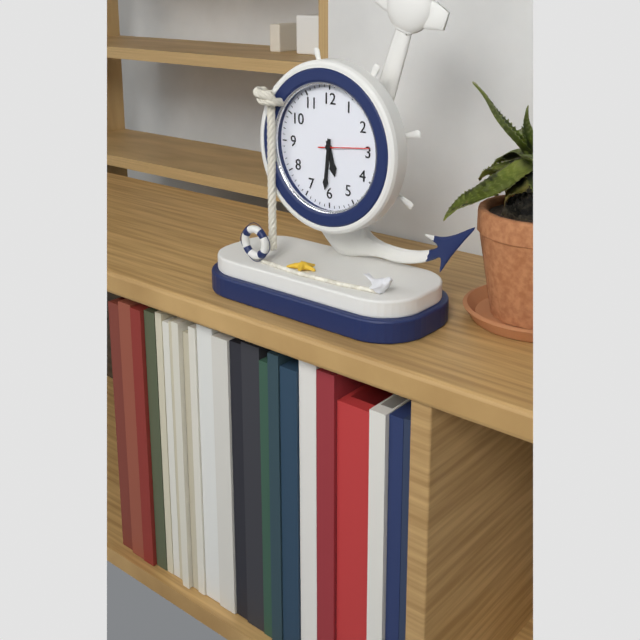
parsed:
5:31:14
